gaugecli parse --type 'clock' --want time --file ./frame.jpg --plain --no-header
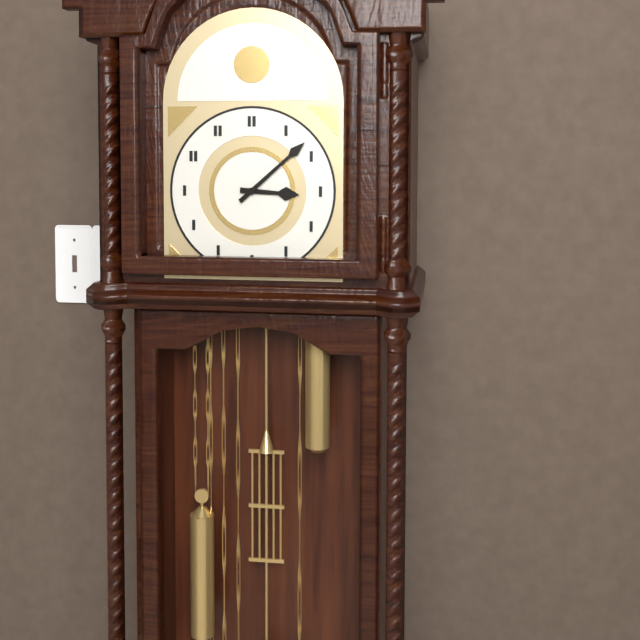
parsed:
3:08
